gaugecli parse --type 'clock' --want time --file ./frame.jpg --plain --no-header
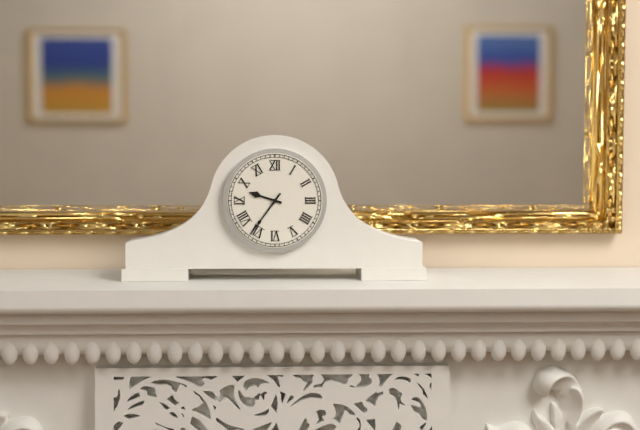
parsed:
9:36
